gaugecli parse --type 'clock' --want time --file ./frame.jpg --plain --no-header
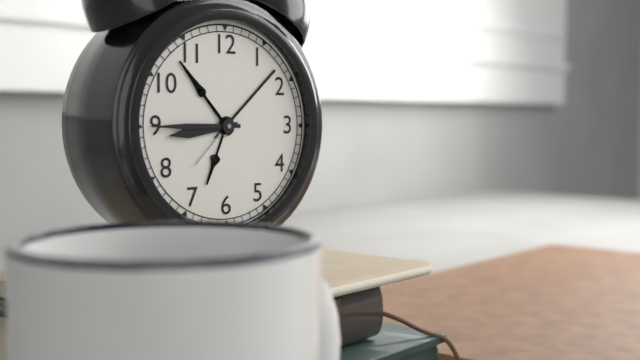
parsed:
8:45
